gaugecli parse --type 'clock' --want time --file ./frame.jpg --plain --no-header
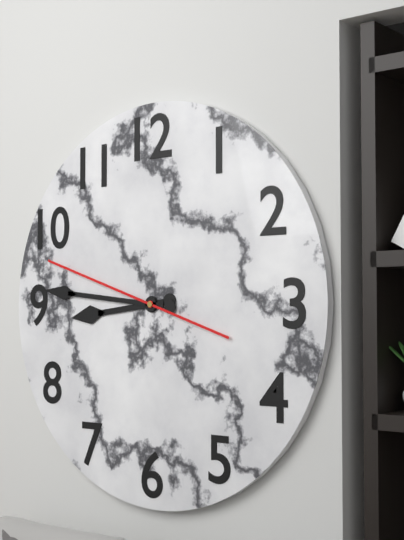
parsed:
8:46:48
